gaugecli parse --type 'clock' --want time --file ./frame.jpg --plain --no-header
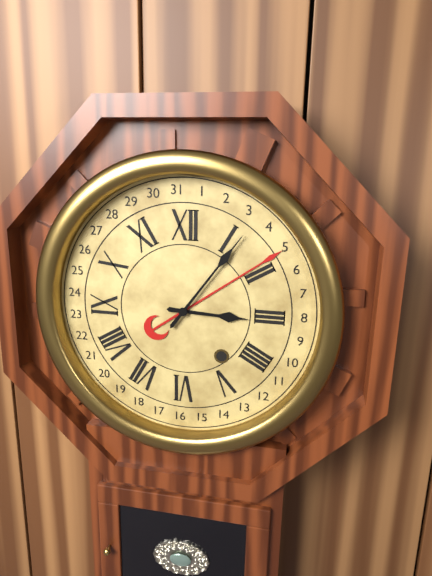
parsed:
3:06
